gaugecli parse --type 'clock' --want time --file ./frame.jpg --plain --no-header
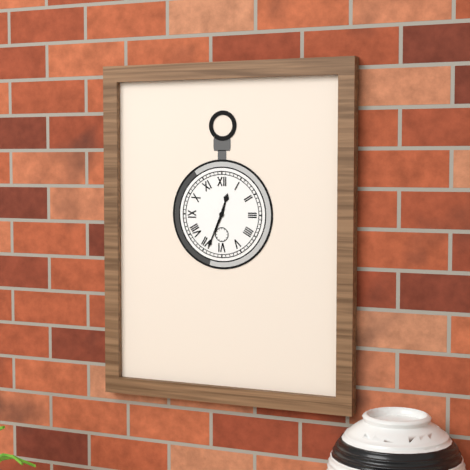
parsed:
12:34
